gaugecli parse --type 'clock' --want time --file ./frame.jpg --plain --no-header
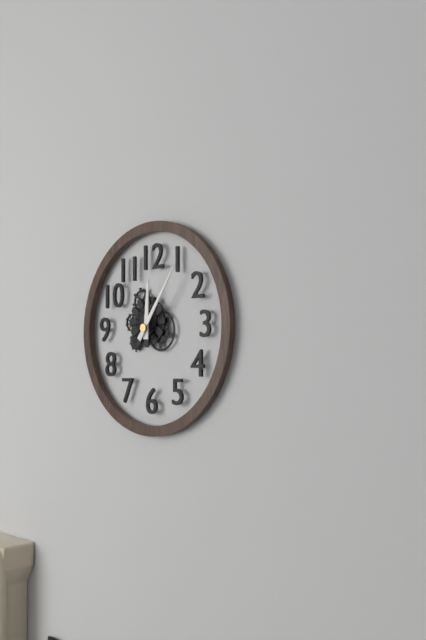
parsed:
12:06
